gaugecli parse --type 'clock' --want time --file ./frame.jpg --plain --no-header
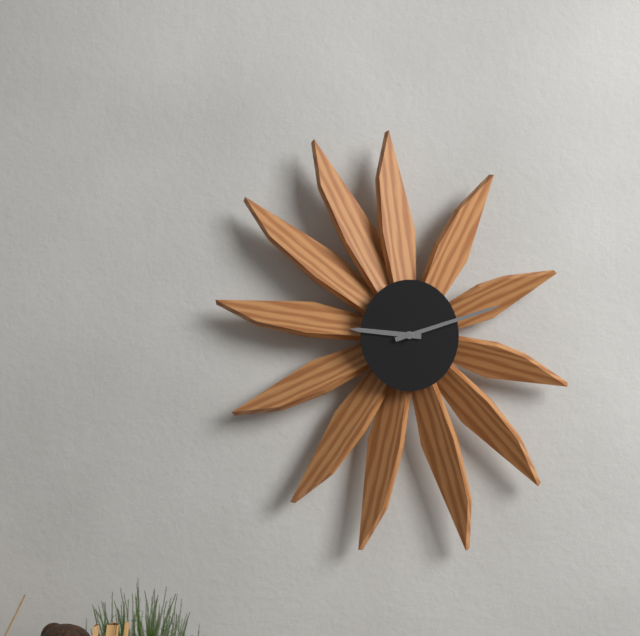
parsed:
9:12
